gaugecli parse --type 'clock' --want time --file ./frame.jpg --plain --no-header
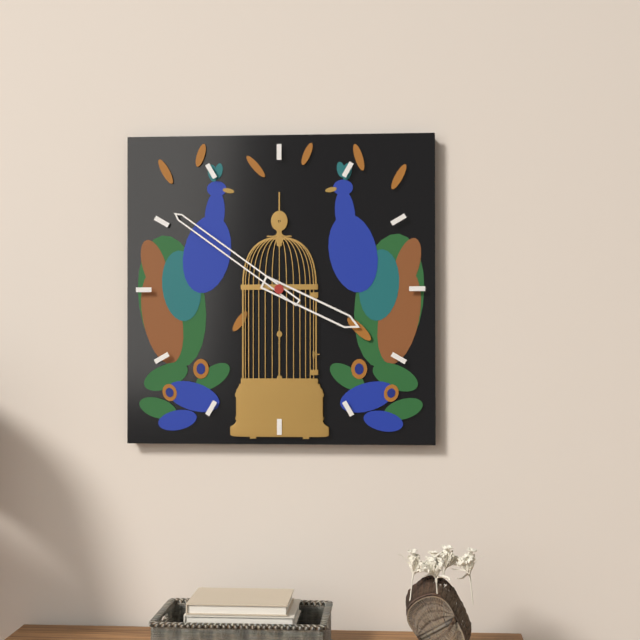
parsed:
3:51
